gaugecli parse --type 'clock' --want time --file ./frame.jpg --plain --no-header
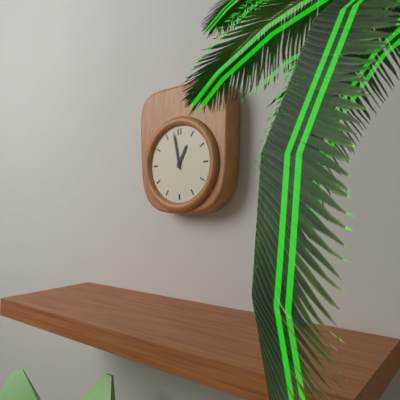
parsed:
12:58
